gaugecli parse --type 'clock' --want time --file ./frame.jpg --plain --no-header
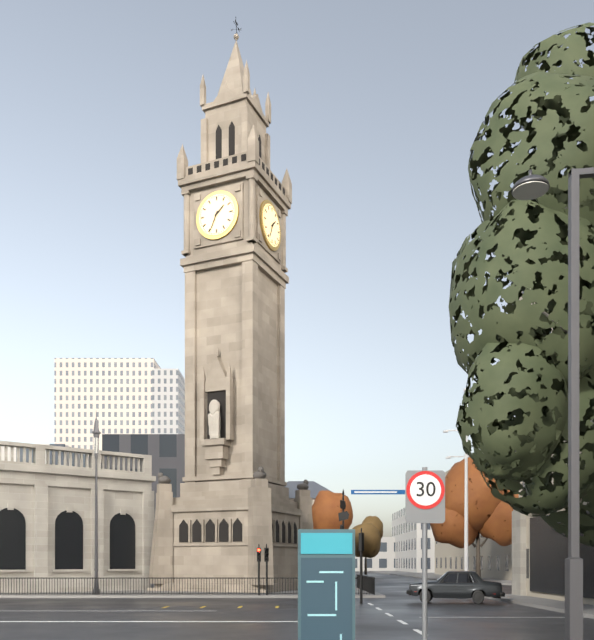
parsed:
1:34
